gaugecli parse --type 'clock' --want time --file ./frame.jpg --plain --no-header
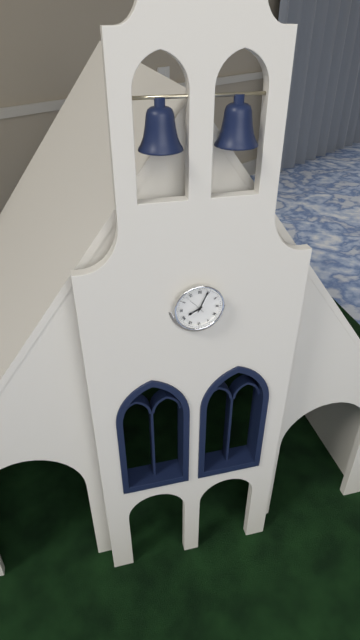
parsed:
8:04
